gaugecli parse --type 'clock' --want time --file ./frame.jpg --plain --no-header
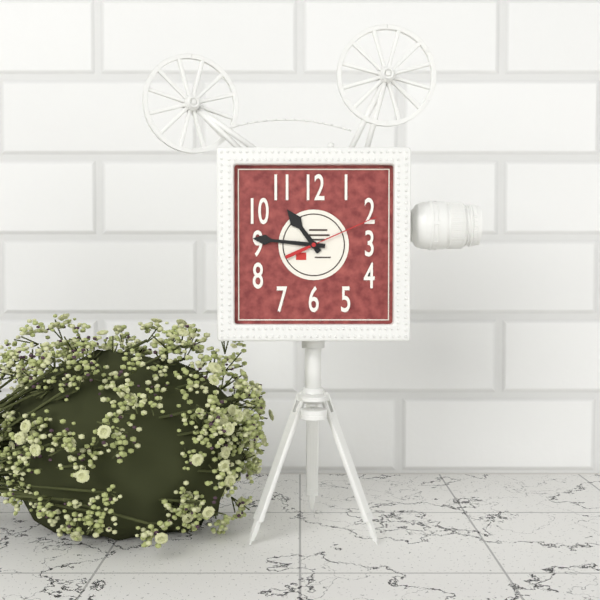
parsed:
10:46:11
